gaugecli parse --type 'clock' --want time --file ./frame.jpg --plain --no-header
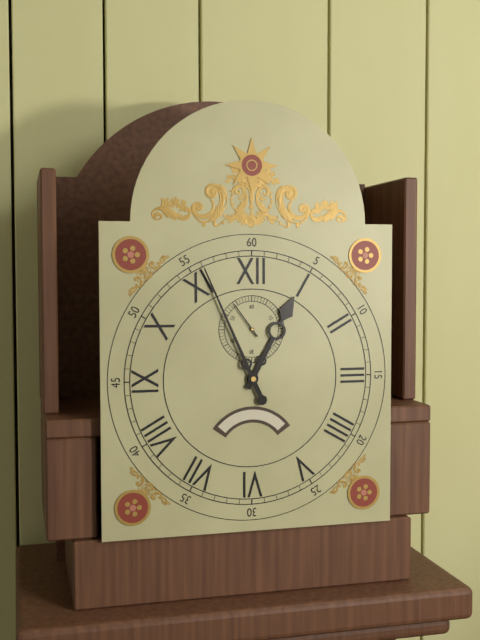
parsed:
12:56
